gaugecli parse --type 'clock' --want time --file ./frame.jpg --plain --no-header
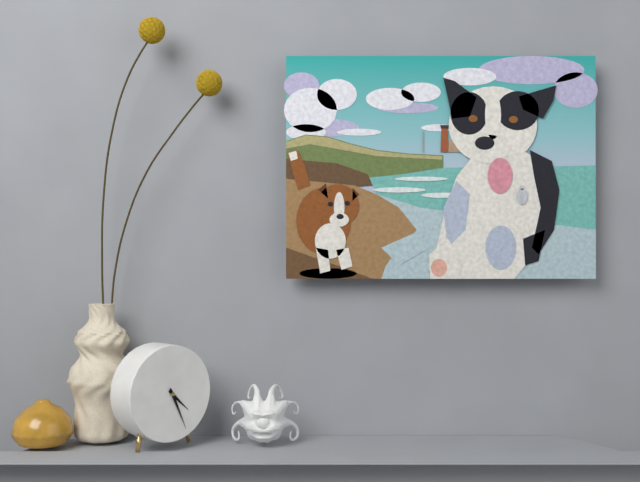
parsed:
4:26
